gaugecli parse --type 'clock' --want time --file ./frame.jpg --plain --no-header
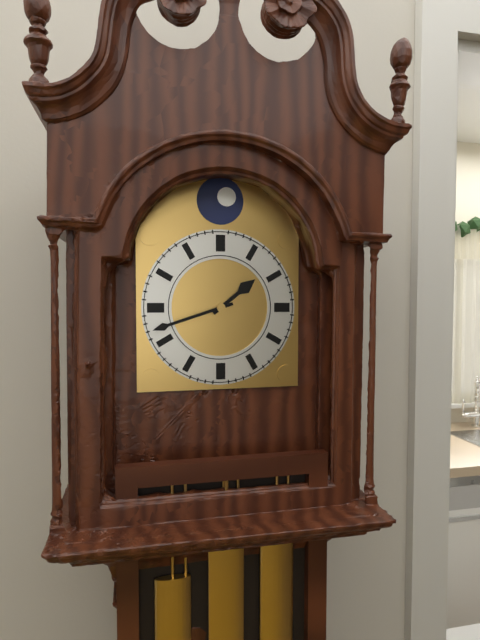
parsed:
1:42
